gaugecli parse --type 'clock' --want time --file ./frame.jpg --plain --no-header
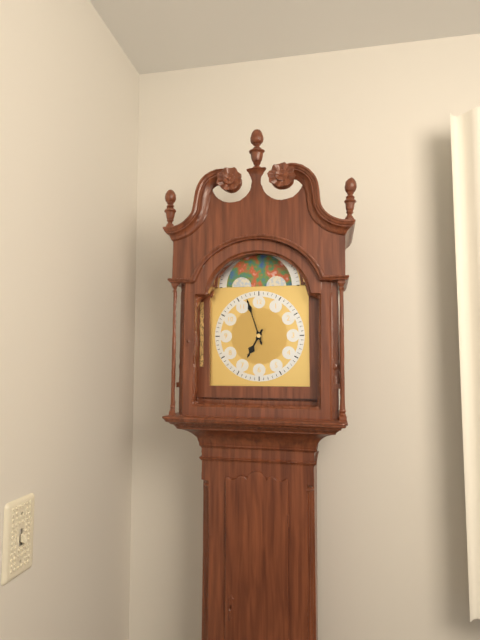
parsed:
6:57
